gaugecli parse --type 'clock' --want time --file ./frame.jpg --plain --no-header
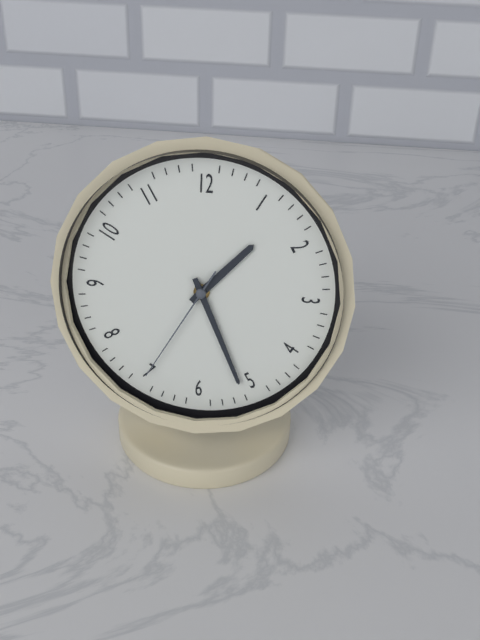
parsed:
1:26:35
